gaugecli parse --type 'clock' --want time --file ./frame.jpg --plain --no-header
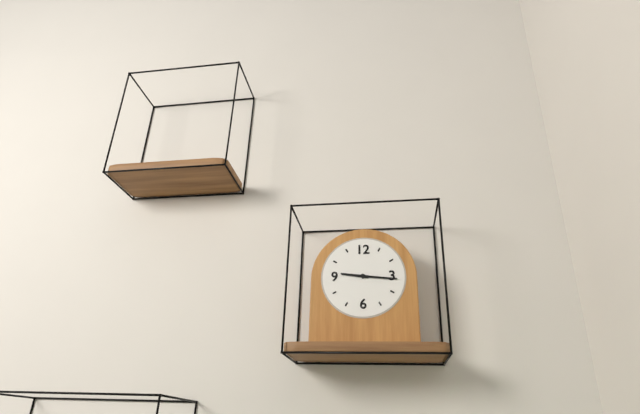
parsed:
9:16
